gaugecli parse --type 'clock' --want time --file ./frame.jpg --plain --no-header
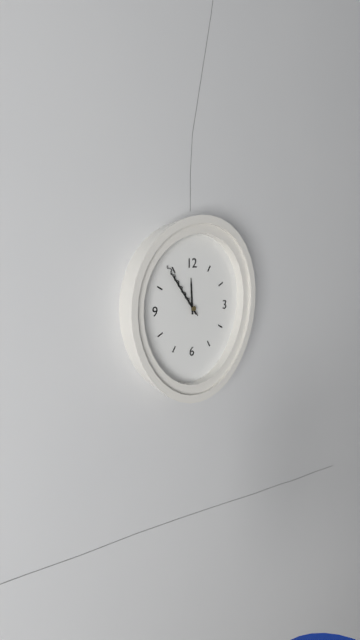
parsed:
11:54:54
